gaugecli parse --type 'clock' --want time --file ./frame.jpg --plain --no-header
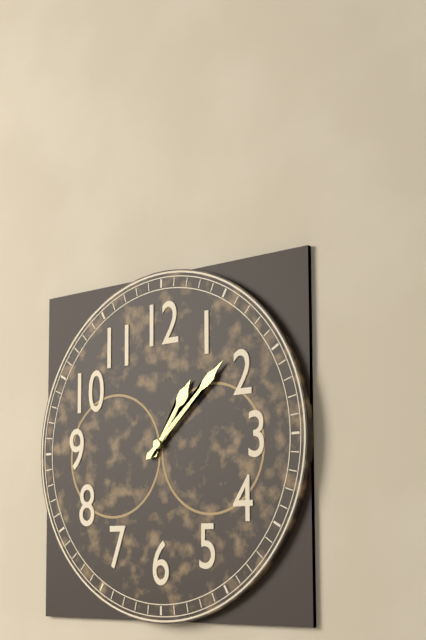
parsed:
1:08
